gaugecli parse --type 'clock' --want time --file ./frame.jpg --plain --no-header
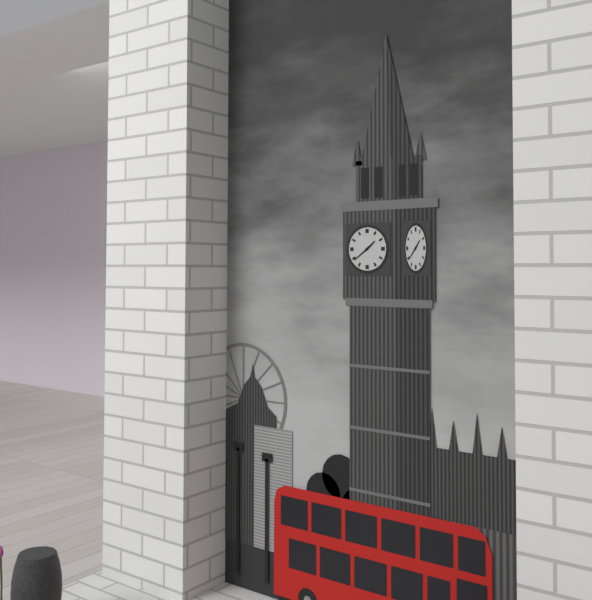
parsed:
1:39
